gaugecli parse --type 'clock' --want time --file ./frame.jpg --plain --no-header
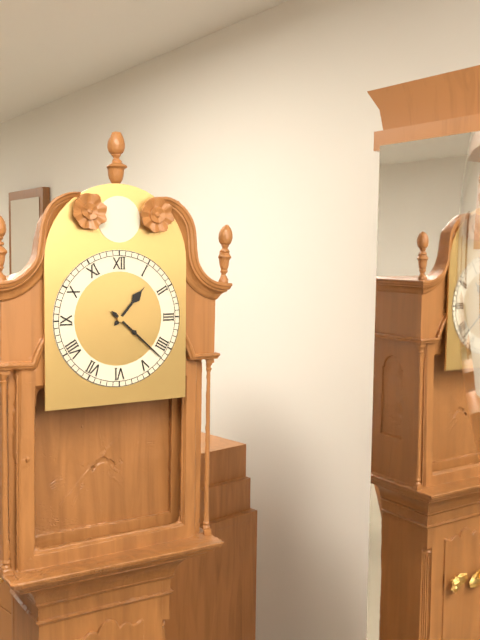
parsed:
1:22
